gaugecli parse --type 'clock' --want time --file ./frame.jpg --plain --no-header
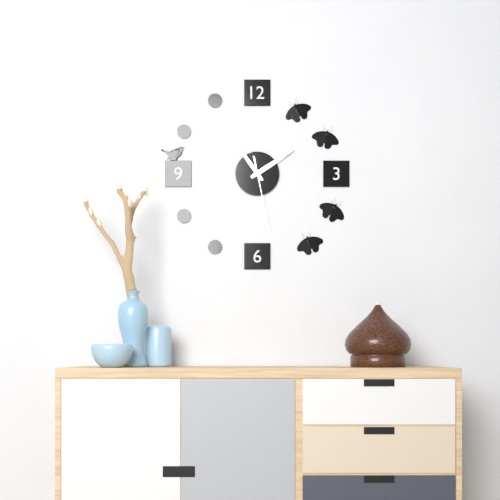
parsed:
1:54:28
